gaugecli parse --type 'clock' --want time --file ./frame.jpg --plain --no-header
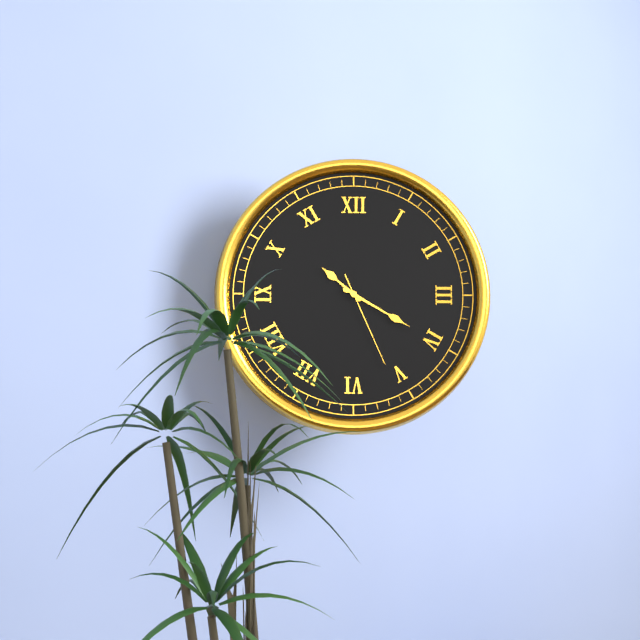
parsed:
10:20:26
